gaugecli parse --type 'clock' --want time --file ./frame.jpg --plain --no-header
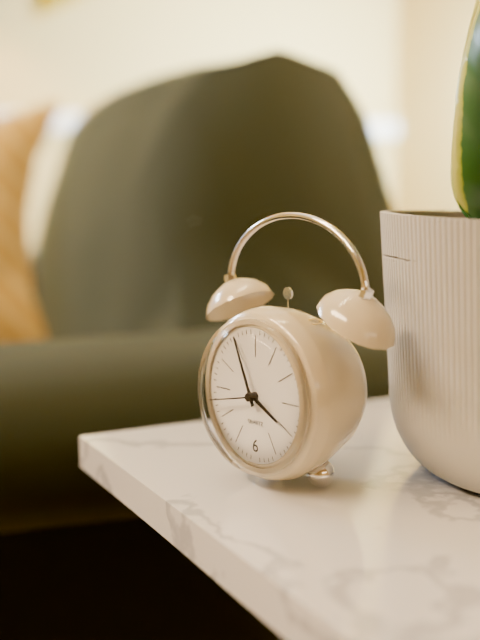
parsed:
3:56
